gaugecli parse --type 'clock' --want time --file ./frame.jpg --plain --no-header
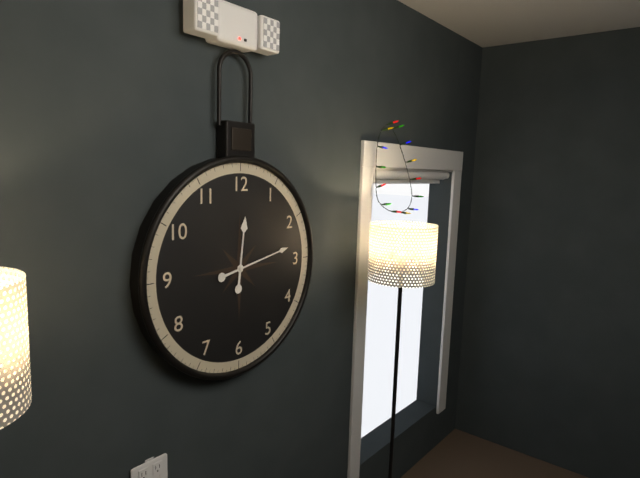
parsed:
12:13
